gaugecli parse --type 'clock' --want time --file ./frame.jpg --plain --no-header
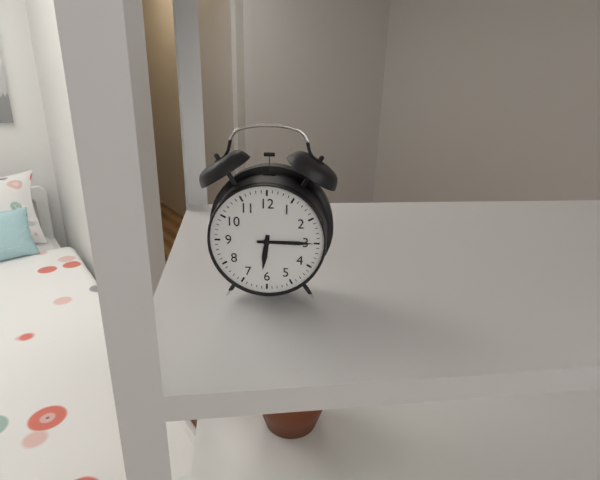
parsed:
6:15
